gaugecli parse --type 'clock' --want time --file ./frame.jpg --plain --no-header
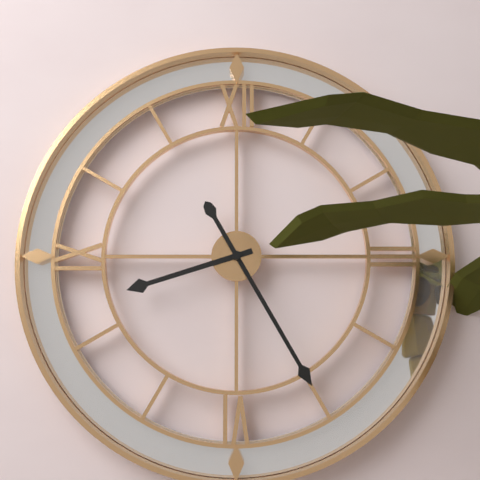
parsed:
8:25
